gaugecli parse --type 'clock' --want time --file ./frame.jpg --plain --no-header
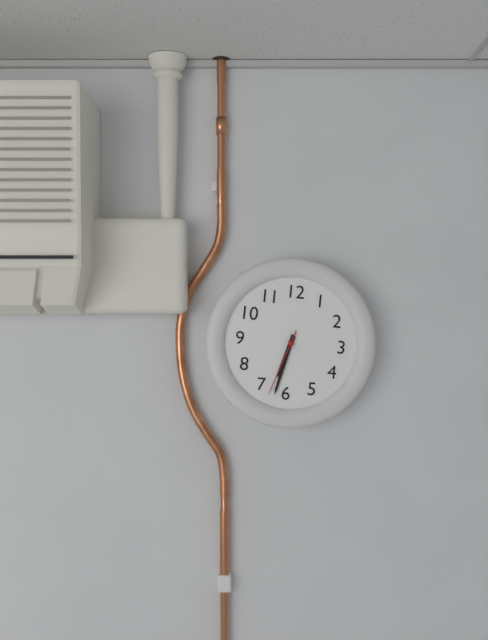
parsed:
6:32:33
